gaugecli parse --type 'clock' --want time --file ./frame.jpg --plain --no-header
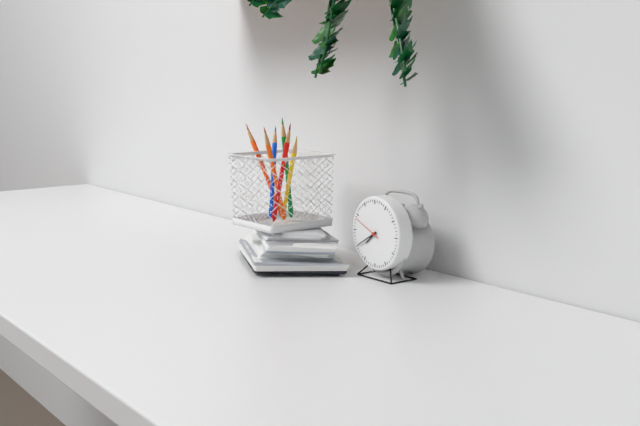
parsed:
7:40
